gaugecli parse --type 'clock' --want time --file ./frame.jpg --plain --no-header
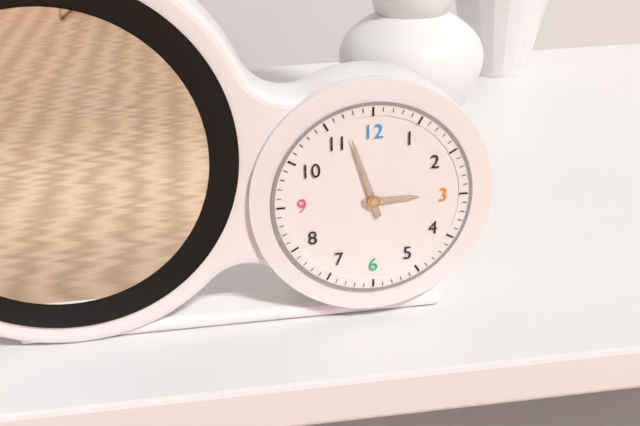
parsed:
2:57
